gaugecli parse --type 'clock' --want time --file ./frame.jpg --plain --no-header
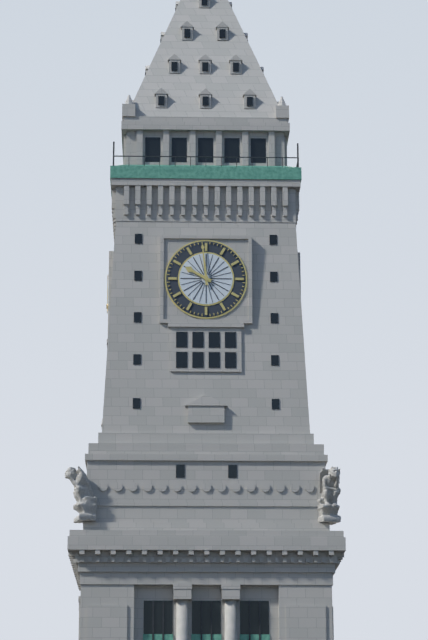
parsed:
9:59
